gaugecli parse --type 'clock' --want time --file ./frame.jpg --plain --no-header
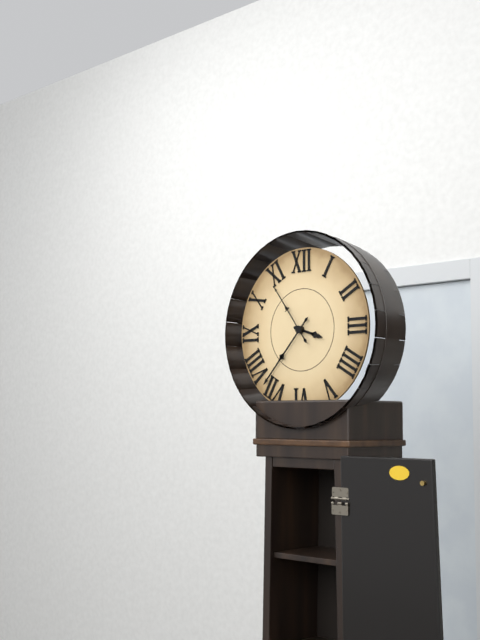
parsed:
3:37:54
